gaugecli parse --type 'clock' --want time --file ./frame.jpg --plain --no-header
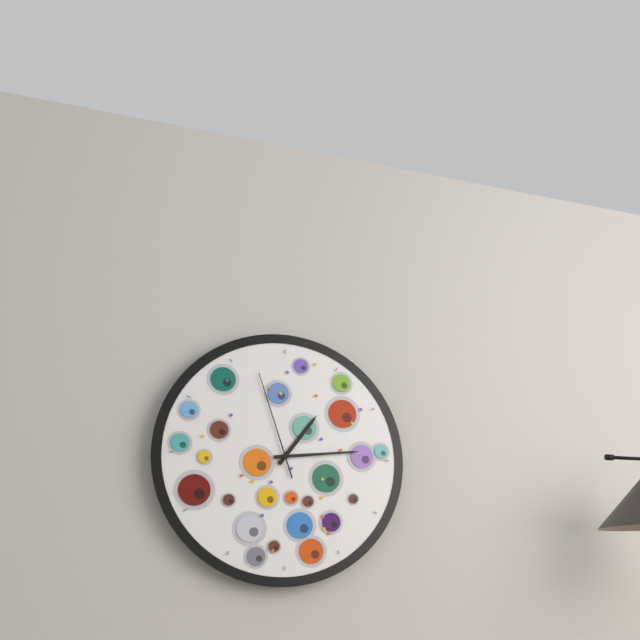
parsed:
1:14:57
